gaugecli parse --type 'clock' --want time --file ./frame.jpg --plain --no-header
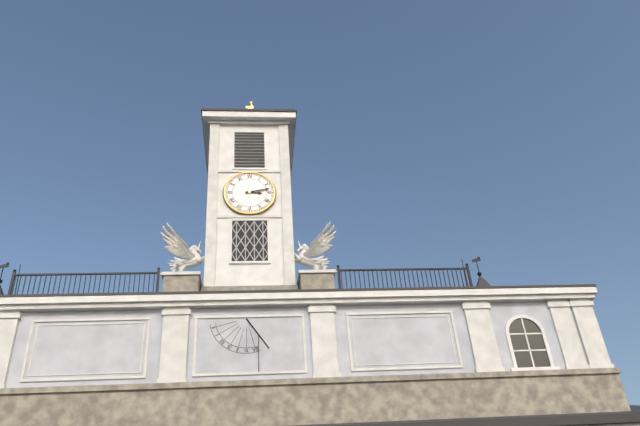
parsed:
3:13
